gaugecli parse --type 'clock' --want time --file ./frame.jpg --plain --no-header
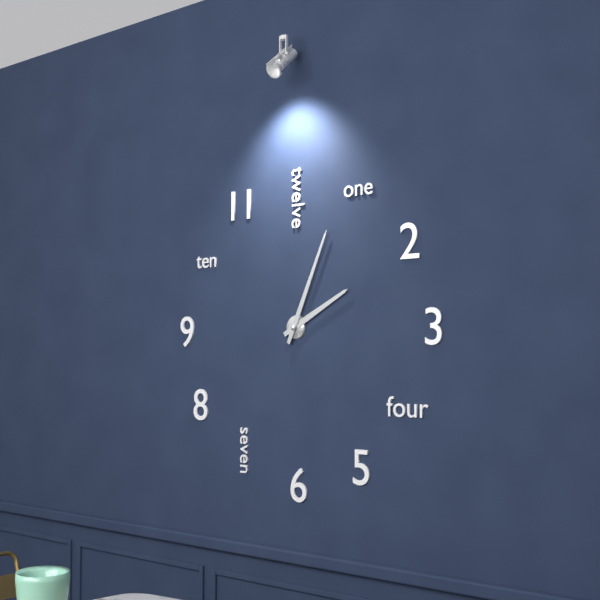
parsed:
2:04
